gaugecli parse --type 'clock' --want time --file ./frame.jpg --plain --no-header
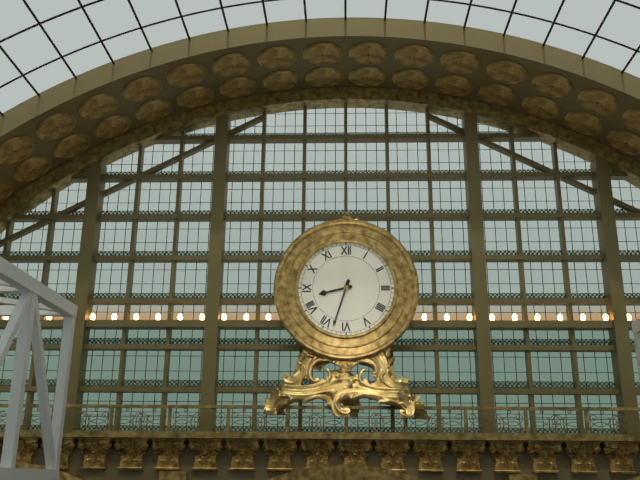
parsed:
8:33
